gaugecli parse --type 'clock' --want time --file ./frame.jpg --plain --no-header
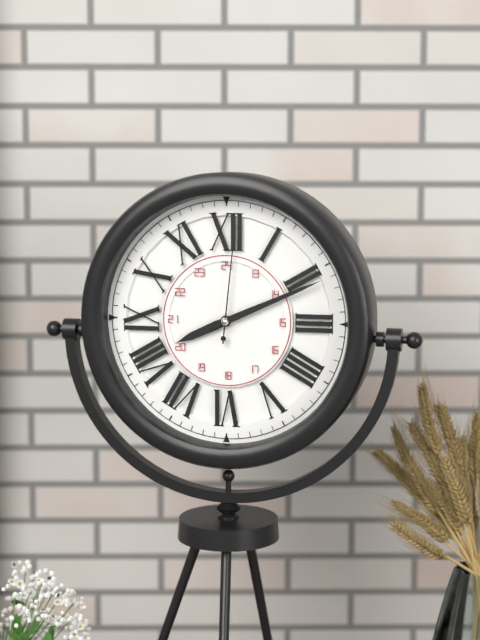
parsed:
8:11:01
